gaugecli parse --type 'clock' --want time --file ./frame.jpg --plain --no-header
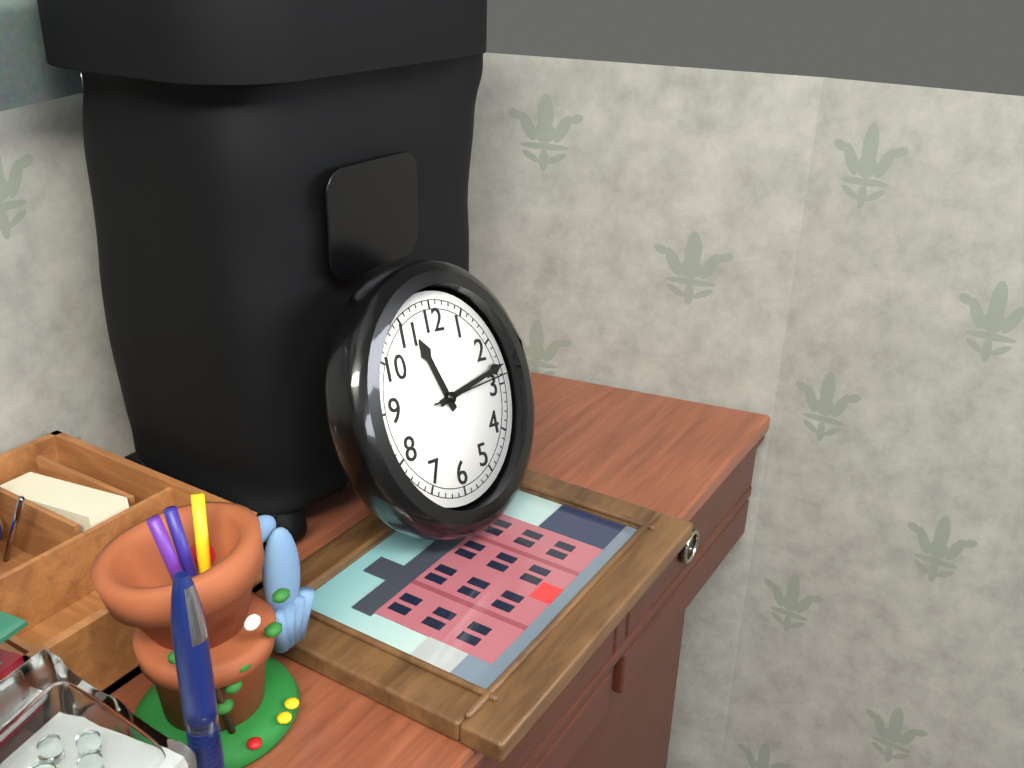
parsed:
11:13:14
